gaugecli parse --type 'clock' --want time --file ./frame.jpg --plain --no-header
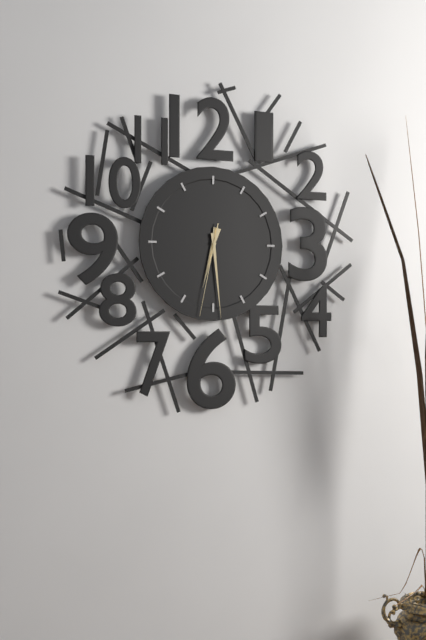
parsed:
6:29:32
